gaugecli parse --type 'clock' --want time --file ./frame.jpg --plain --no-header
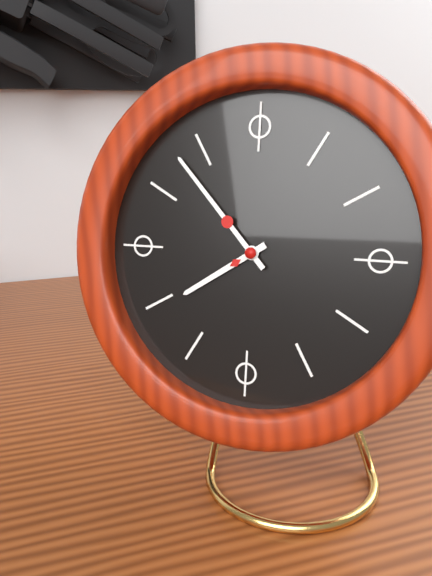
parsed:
7:53
